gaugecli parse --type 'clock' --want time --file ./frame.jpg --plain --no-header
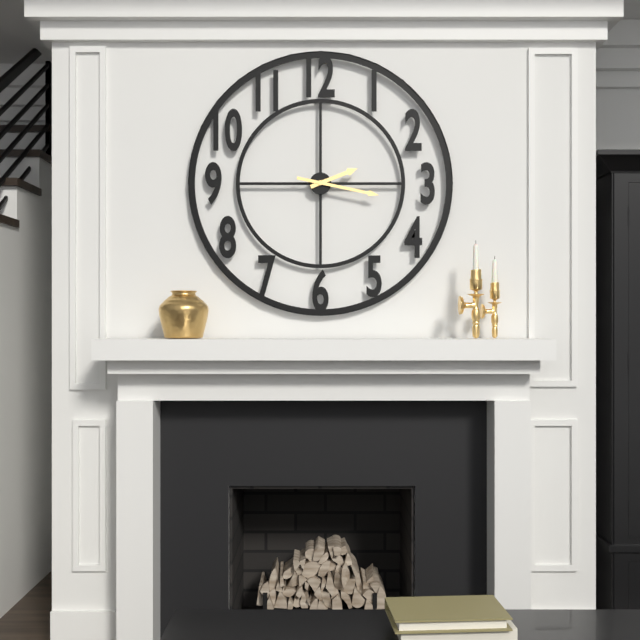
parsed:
2:17
